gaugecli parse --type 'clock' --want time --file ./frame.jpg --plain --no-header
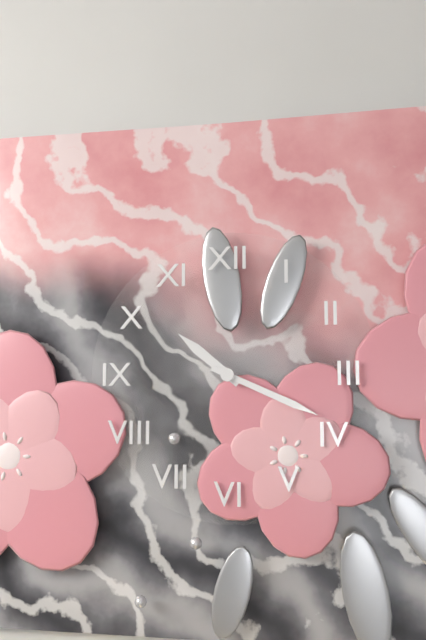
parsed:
10:19
